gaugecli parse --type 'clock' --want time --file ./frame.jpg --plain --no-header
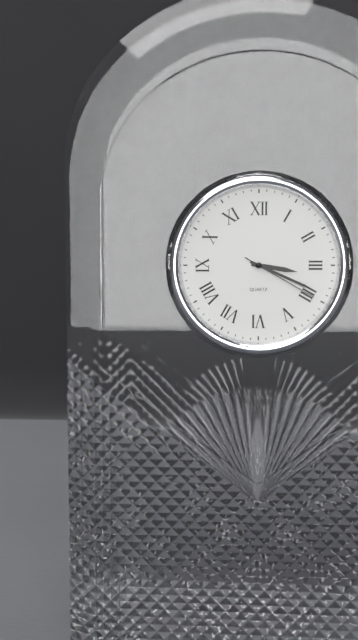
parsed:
3:19:20
